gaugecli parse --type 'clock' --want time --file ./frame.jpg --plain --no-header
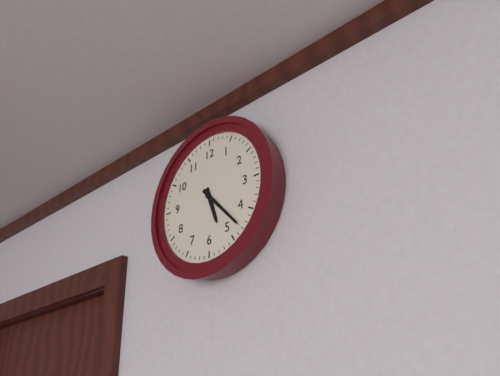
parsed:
5:23
